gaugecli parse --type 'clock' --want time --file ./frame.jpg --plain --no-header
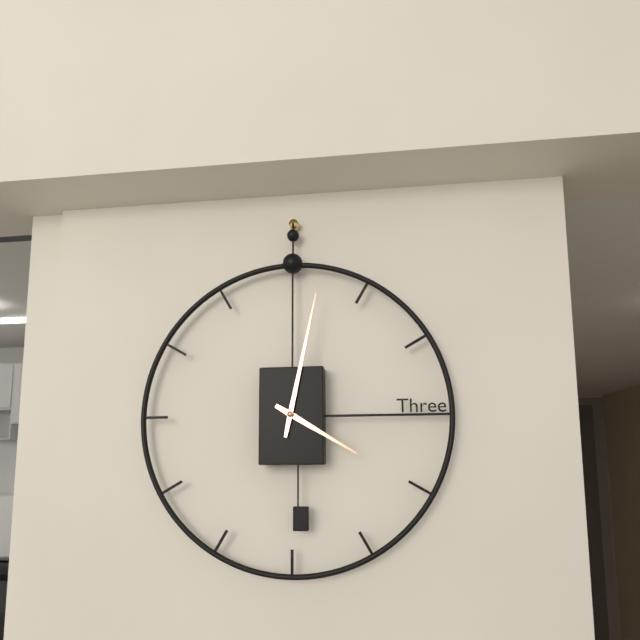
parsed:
4:02
